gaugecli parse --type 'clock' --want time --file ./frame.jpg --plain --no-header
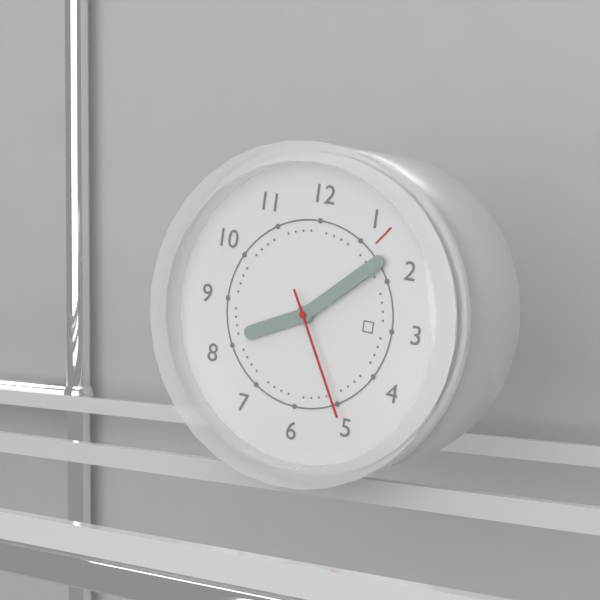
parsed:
8:08:25
